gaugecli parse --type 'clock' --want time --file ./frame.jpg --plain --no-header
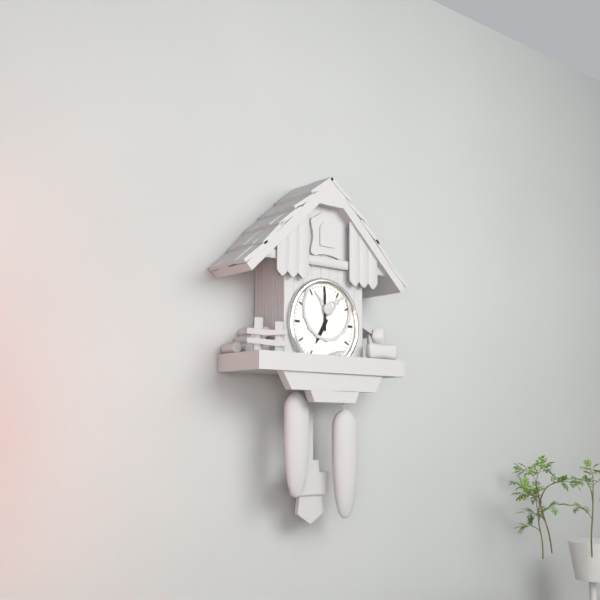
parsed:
7:00
